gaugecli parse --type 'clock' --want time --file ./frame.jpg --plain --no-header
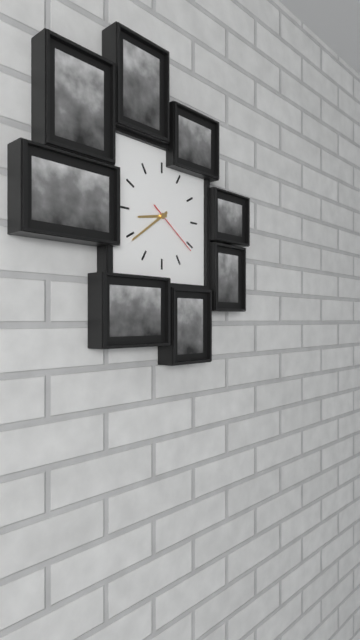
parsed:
8:39:21
